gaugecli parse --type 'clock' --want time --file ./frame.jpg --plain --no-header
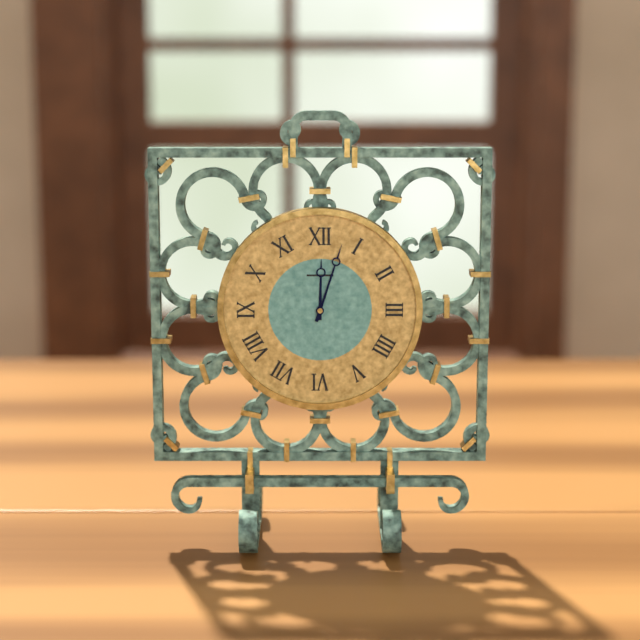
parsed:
12:03
